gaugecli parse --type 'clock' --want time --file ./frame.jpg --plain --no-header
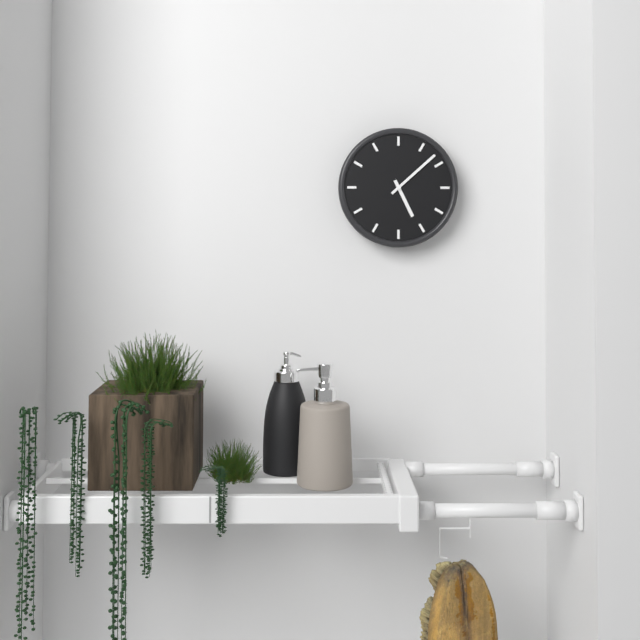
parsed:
5:08
